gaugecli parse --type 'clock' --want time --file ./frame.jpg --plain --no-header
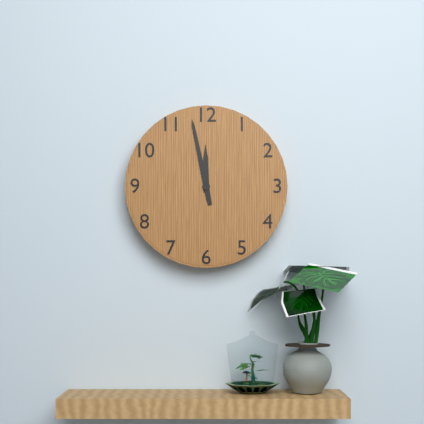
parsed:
11:58
